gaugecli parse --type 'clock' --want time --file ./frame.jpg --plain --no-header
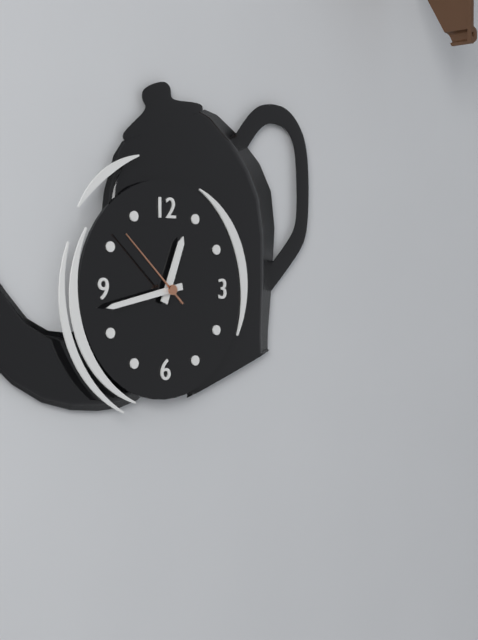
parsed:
12:43:52
